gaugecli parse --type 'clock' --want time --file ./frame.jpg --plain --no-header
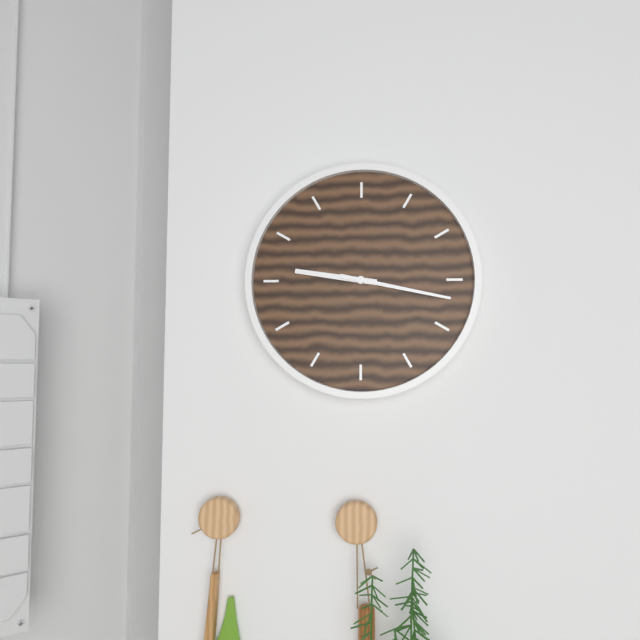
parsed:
9:17
